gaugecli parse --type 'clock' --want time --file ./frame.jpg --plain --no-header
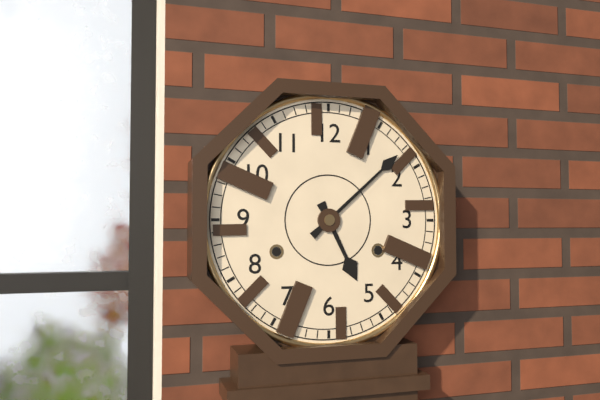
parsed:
5:08
